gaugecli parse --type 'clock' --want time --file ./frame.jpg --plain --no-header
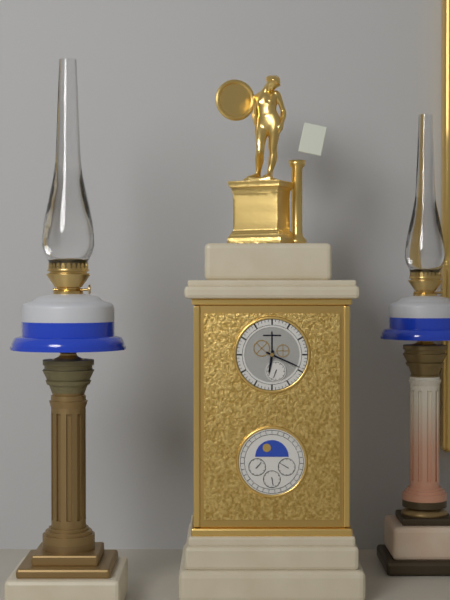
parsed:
6:19
